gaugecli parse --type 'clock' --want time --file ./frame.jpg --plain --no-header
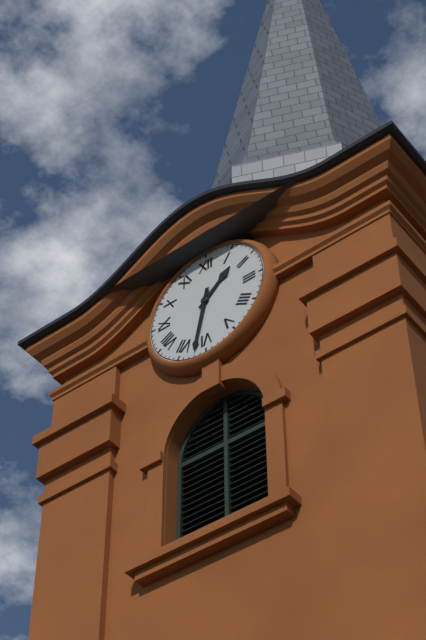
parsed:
1:32
